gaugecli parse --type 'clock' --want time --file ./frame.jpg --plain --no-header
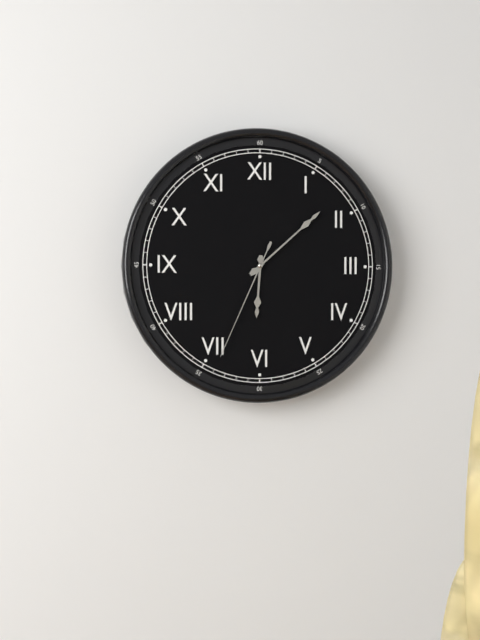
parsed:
6:08:34
